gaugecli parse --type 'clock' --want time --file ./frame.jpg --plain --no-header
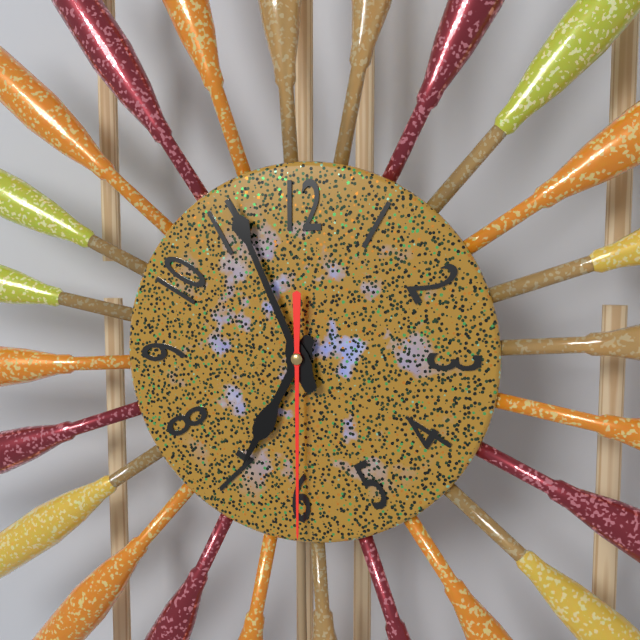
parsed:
6:56:30
